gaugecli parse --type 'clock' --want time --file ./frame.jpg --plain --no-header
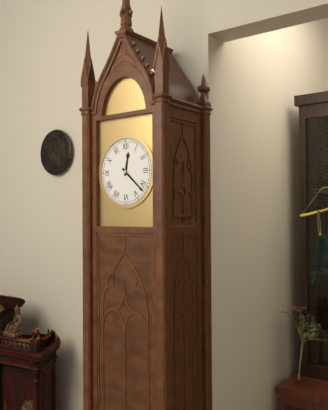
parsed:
12:22
